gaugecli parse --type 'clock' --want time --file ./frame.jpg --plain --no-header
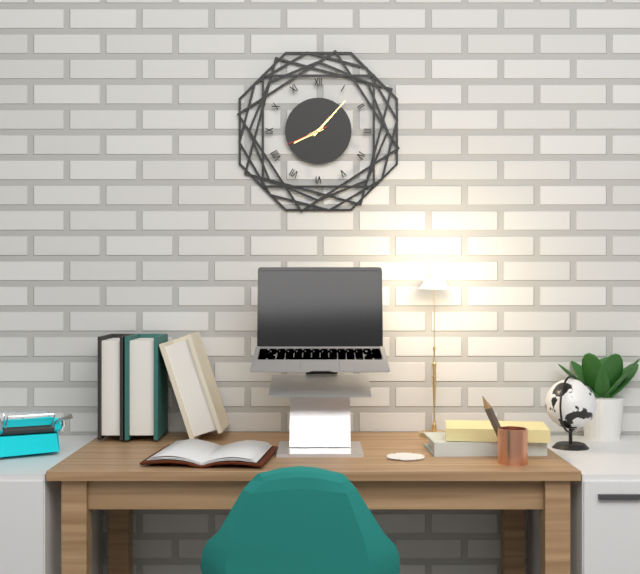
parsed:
8:07
